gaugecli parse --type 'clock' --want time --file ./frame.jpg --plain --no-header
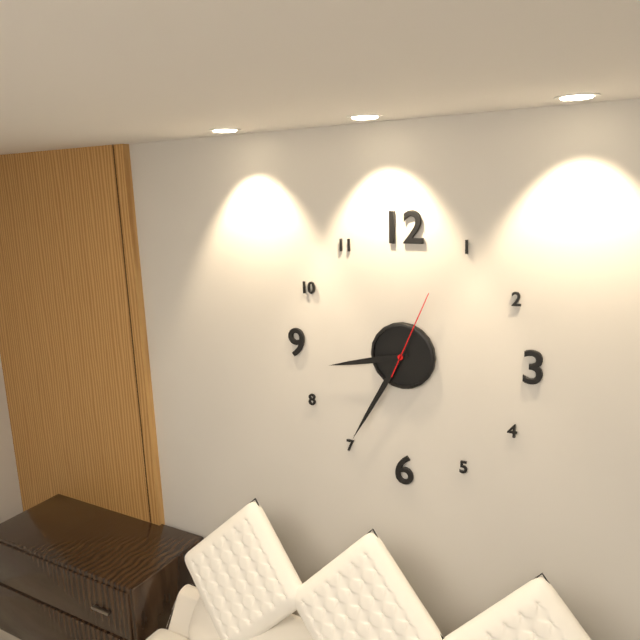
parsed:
8:35:04
